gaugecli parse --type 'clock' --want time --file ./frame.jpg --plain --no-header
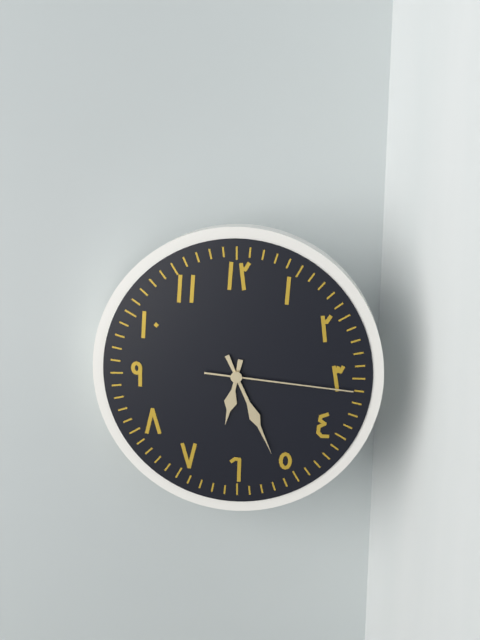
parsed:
6:26:16
